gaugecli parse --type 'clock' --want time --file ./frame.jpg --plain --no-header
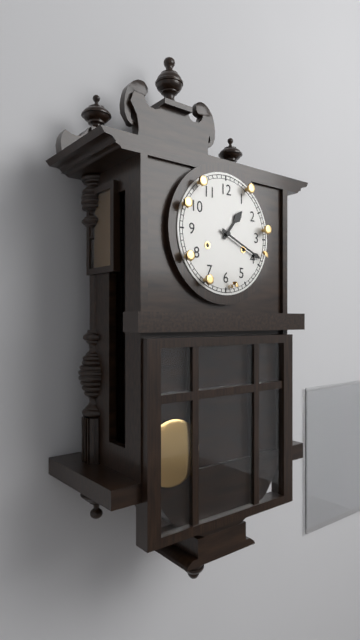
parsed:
1:19
